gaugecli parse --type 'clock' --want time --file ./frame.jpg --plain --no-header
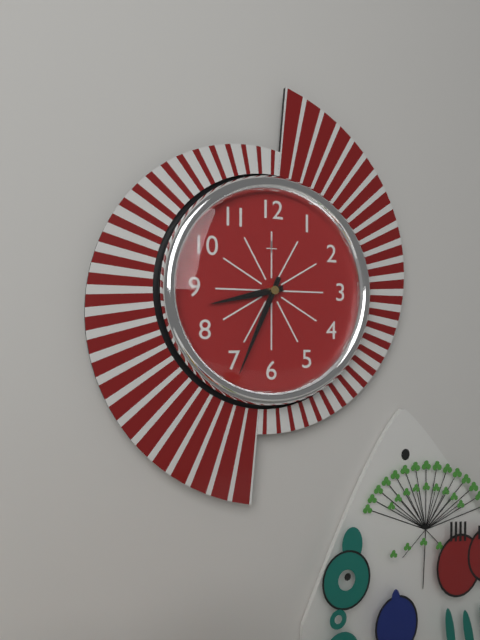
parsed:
8:34
